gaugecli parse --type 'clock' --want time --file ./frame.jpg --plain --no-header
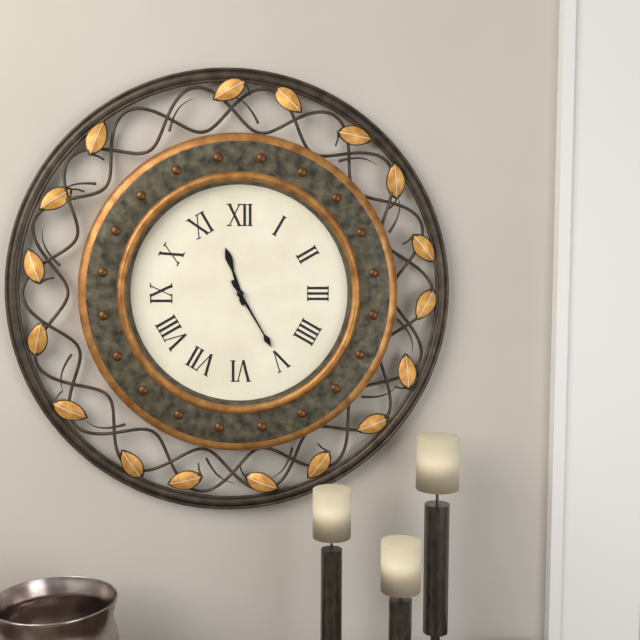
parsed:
11:25
